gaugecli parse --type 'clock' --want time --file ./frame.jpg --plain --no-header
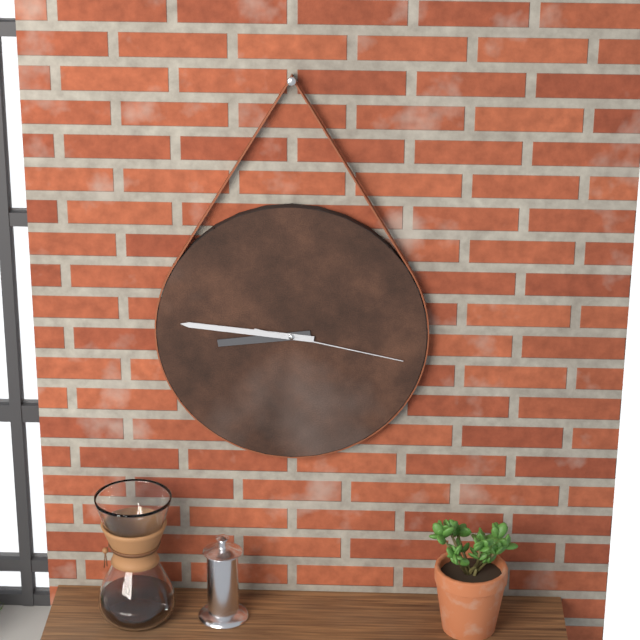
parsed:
8:46:17
